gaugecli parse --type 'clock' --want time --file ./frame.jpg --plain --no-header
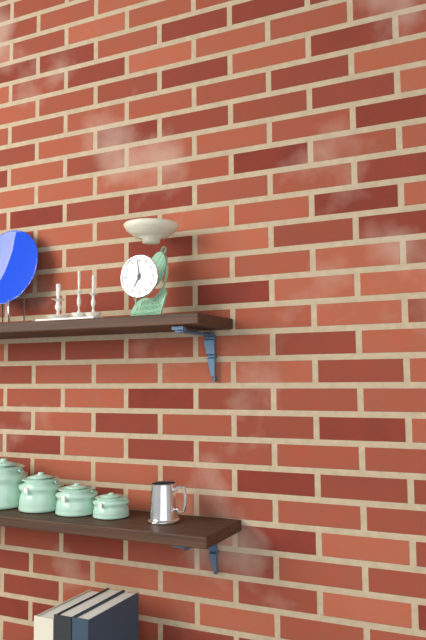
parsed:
6:59
